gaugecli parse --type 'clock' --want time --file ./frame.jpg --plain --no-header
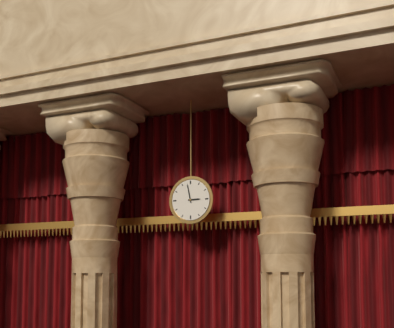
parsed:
2:58
